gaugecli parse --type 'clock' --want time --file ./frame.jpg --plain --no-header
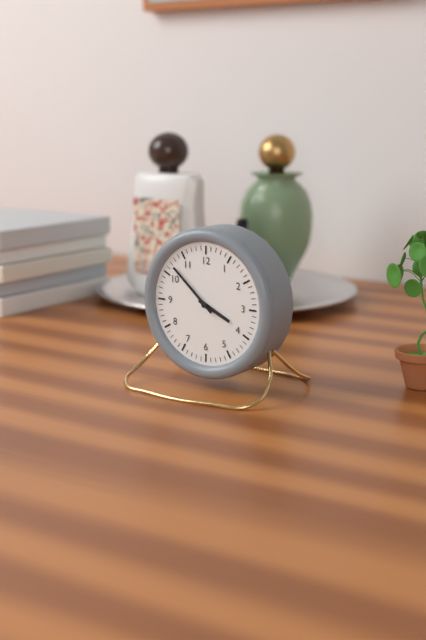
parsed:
3:52
